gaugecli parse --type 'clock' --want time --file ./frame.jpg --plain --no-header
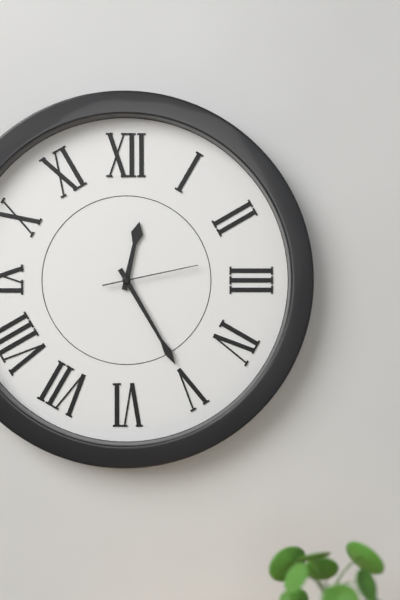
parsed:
12:25:13
